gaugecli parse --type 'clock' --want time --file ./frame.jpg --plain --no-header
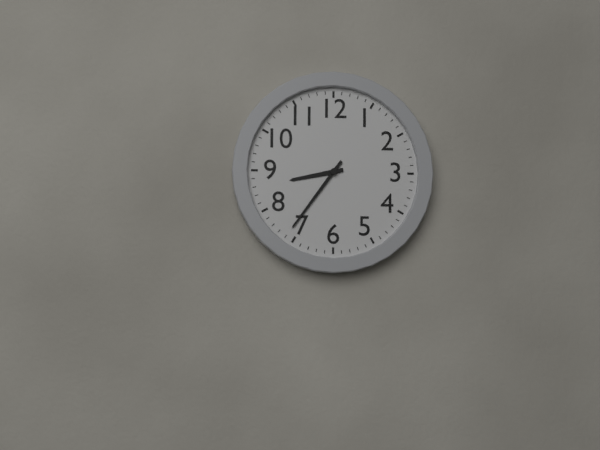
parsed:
8:36
